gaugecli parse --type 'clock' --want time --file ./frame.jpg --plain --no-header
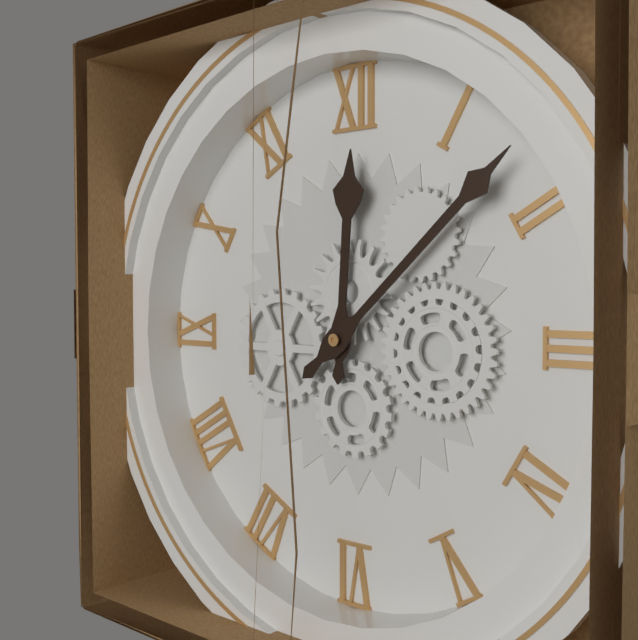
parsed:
12:08
